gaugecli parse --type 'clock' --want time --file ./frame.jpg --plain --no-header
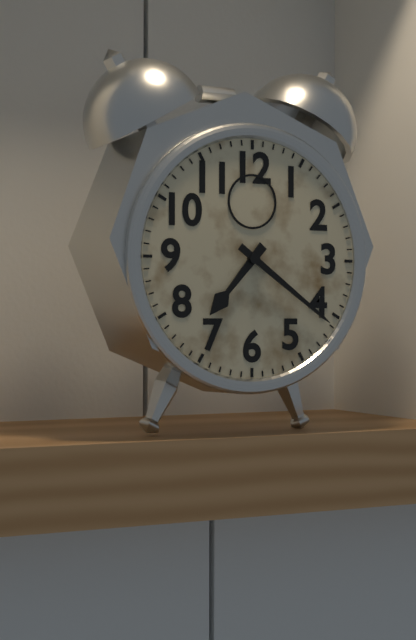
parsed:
7:21
